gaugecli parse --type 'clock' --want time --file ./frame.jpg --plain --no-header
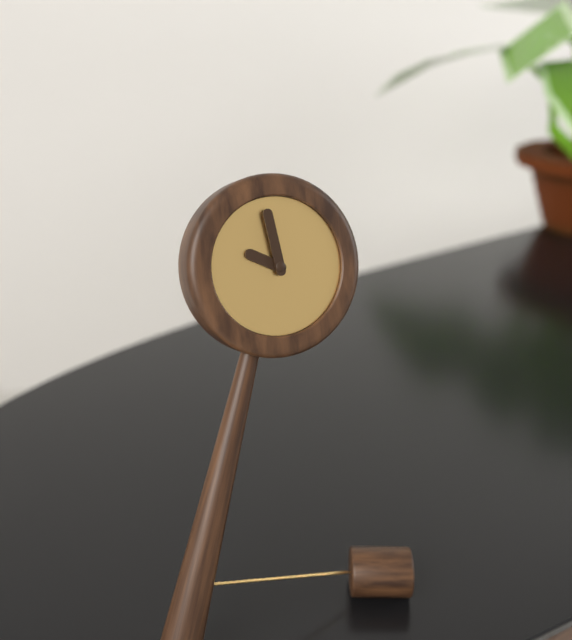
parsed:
9:59
